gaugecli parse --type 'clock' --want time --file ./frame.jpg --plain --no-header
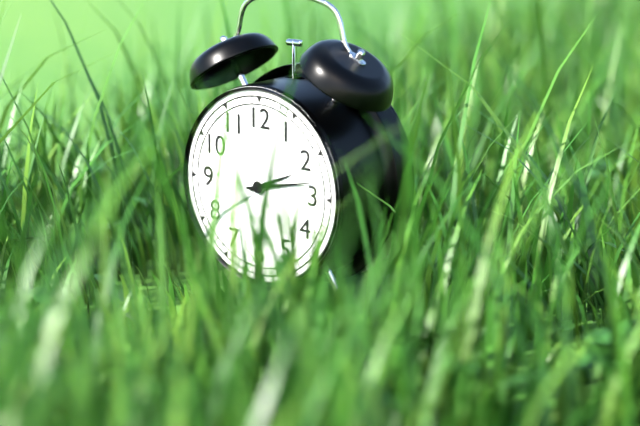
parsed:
2:13
